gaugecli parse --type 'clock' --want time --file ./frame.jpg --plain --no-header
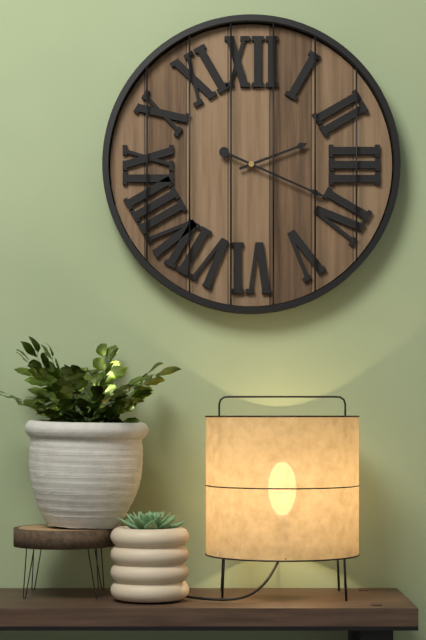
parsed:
2:19
